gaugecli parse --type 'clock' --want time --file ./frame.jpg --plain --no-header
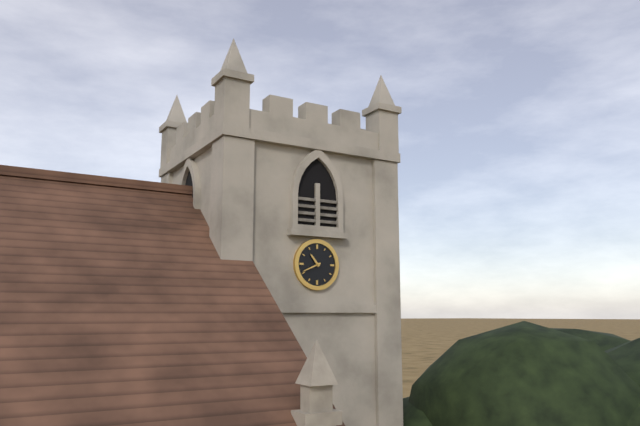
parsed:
10:41
